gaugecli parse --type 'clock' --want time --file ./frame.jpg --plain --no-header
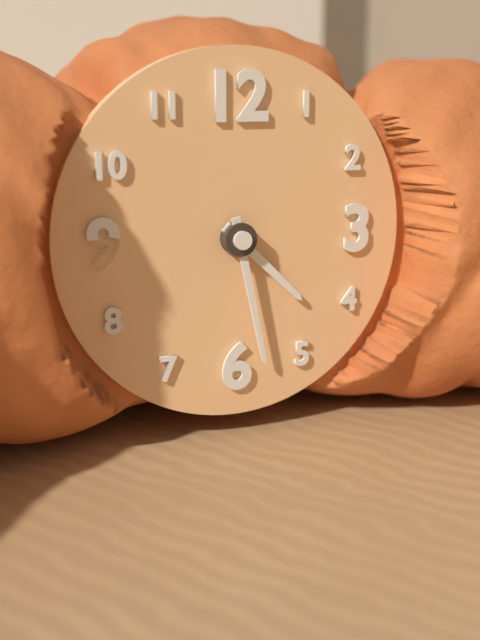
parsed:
4:28
